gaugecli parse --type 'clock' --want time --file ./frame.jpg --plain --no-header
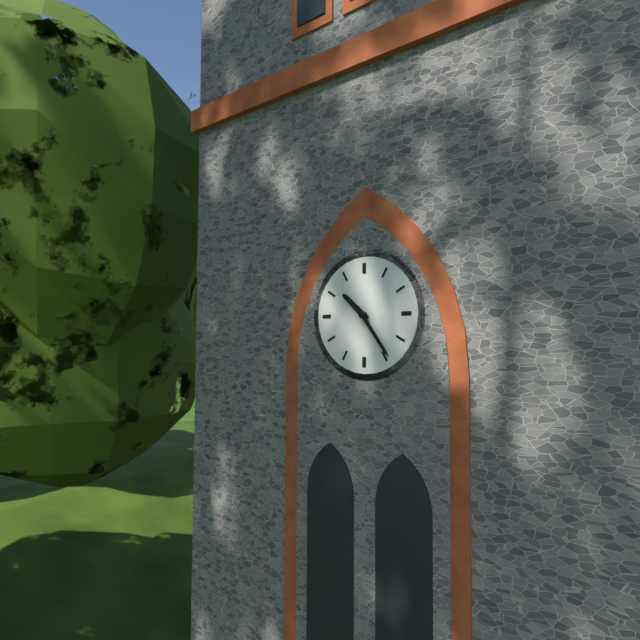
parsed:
10:24
